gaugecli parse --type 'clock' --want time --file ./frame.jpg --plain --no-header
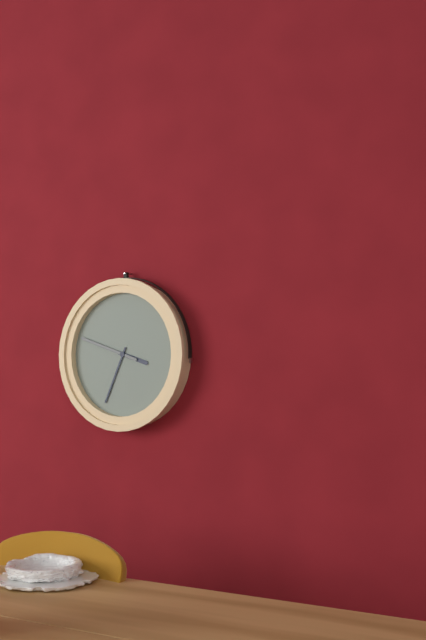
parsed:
3:34:48
